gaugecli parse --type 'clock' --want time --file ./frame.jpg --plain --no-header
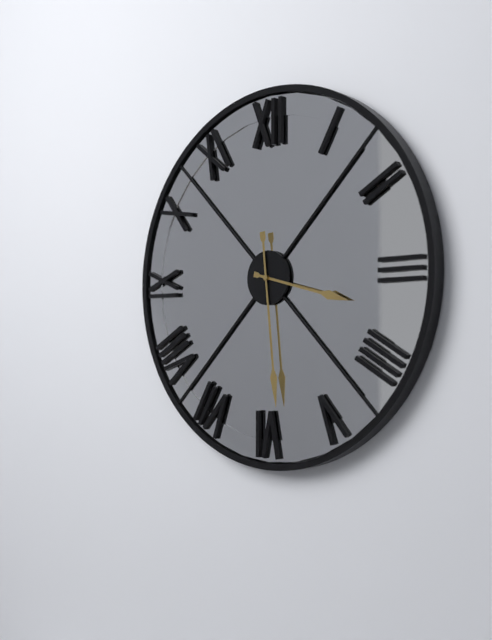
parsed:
3:29
